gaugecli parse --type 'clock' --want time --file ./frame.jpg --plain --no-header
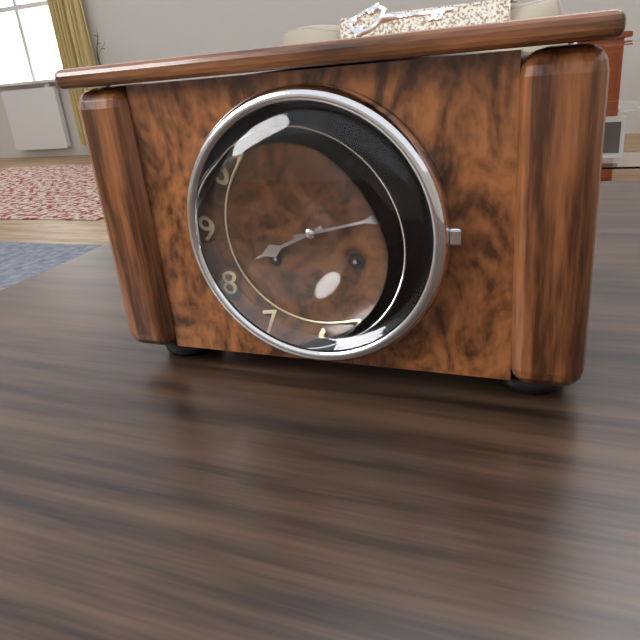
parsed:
8:13
